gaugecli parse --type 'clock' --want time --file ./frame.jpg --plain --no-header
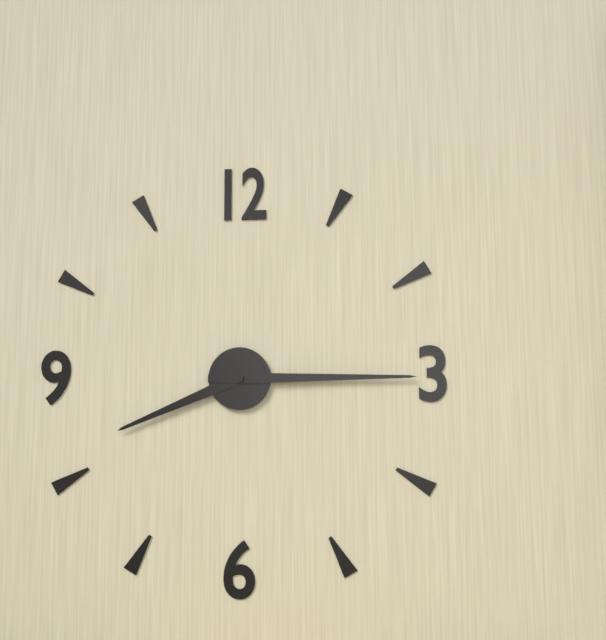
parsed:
8:15
